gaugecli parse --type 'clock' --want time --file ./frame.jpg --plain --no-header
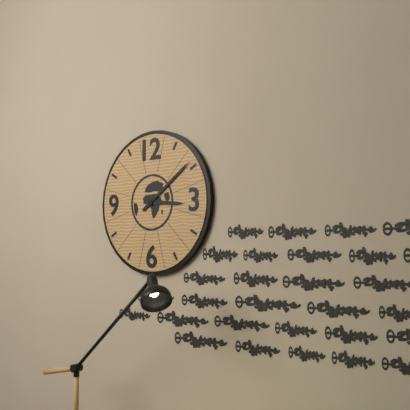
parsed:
3:09
